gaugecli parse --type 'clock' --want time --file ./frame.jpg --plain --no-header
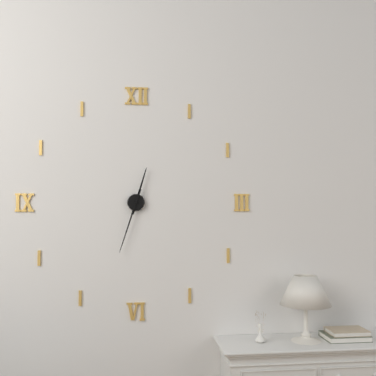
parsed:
12:33
